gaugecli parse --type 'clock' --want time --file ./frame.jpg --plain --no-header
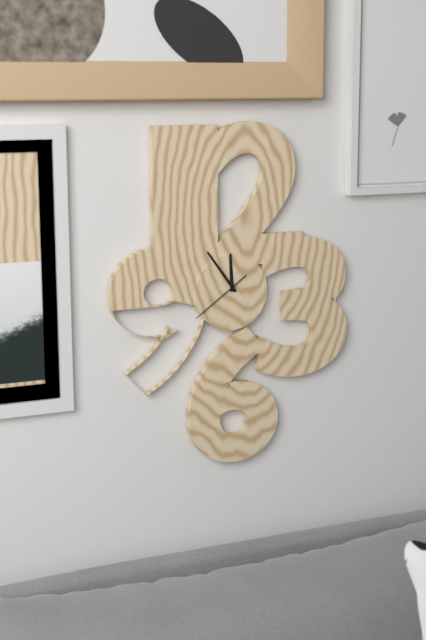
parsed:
11:54:39
